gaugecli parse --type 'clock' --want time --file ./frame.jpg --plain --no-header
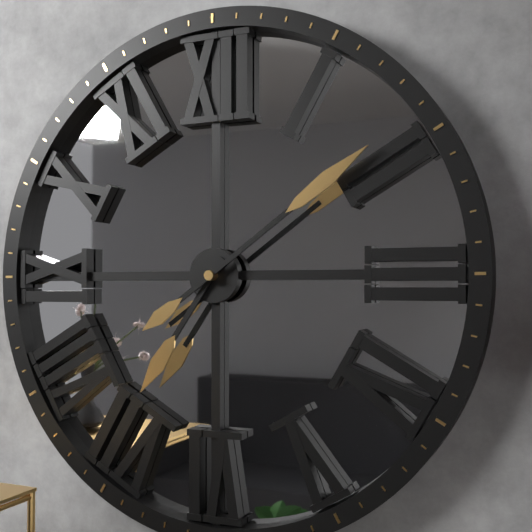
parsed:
7:09
